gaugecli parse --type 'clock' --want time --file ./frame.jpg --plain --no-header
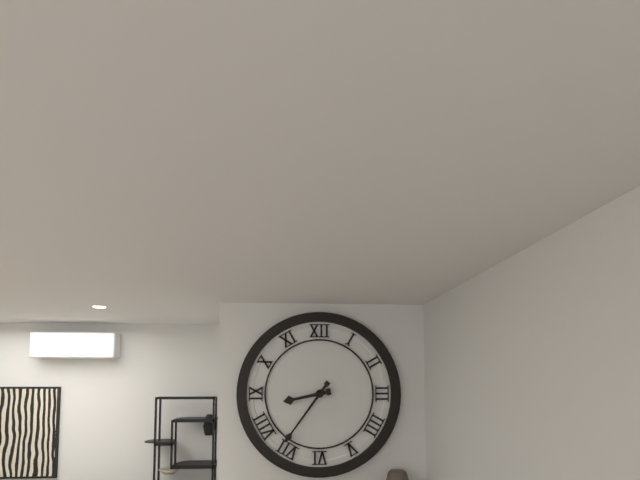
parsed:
8:36
